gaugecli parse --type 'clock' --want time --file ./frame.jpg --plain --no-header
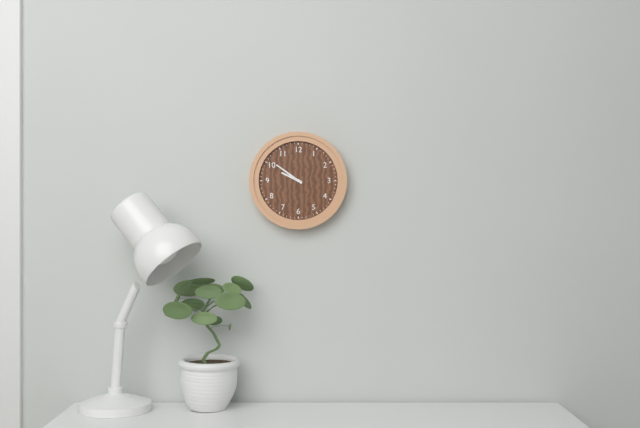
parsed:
9:51
